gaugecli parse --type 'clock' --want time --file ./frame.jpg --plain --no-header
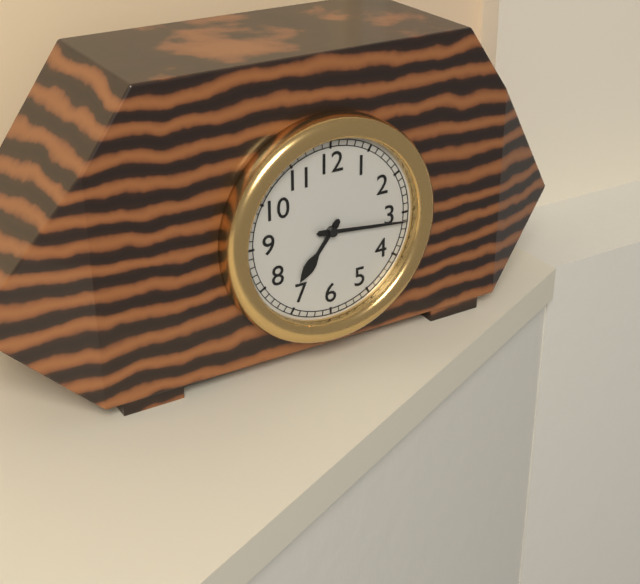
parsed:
7:16
